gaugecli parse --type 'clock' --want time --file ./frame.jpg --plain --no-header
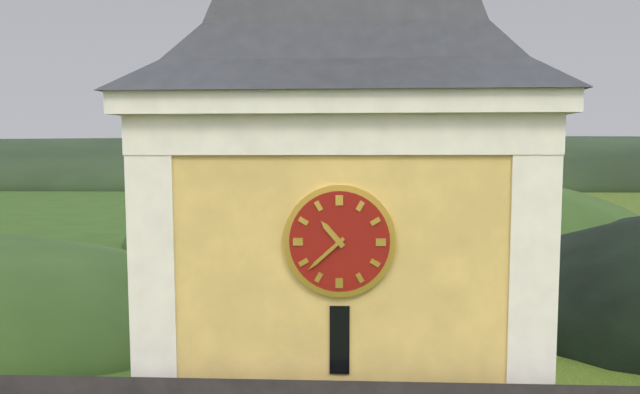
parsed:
10:38
